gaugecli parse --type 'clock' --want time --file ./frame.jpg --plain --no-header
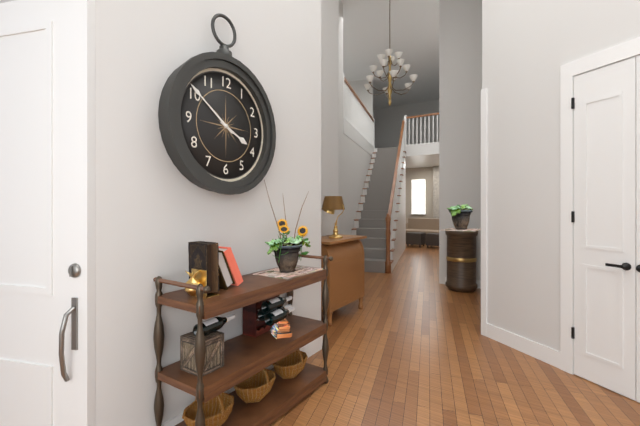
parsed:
3:51
